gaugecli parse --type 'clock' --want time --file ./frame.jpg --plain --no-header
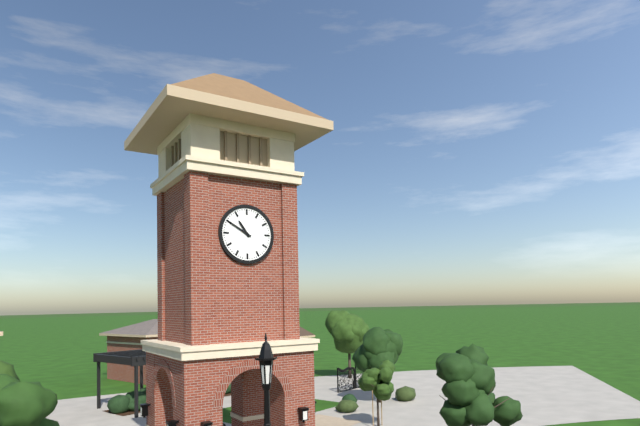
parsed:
10:50
